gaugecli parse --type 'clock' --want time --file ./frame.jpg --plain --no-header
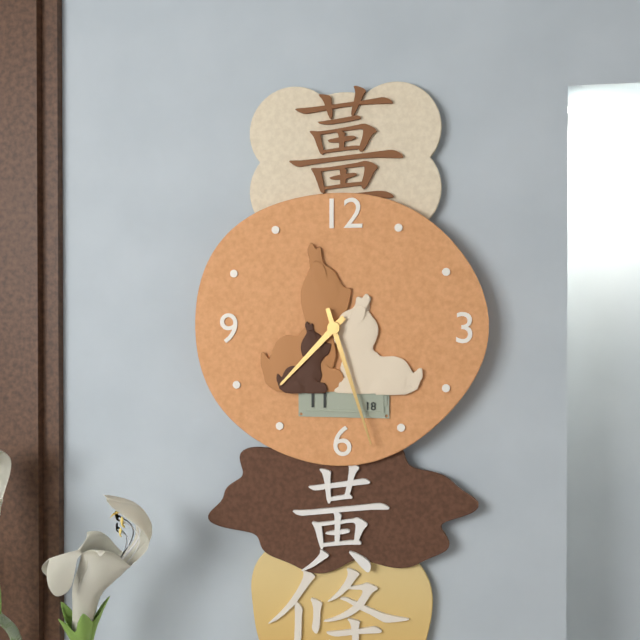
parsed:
7:27
